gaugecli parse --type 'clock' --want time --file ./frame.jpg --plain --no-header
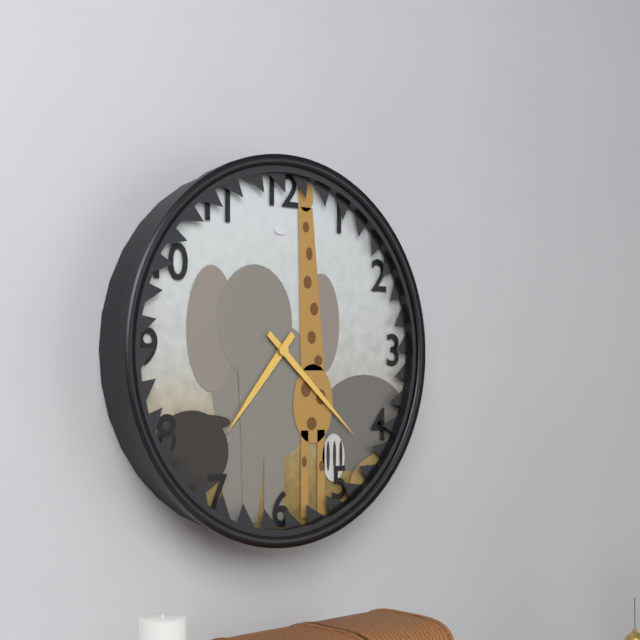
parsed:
7:22
